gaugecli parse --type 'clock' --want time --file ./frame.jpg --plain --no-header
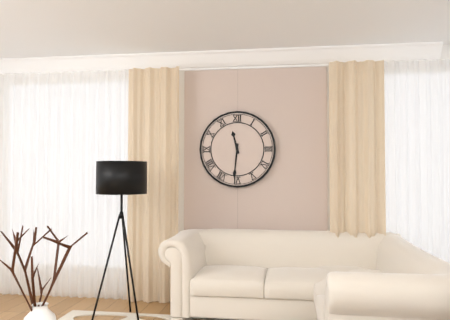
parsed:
11:31
